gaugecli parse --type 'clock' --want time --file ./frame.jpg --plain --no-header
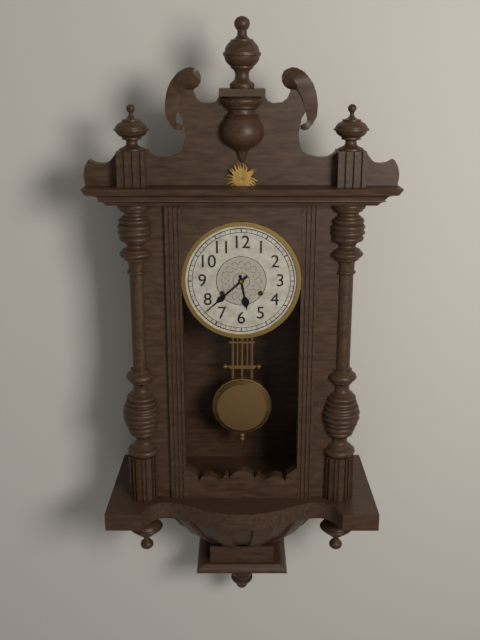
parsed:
5:38
